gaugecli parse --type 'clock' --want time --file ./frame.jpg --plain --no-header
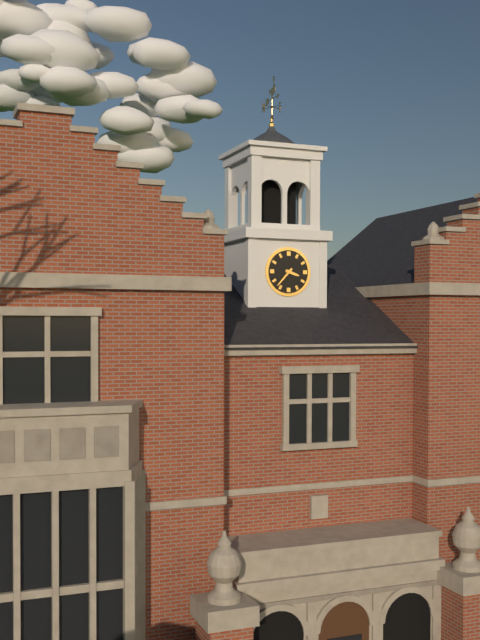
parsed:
3:37
